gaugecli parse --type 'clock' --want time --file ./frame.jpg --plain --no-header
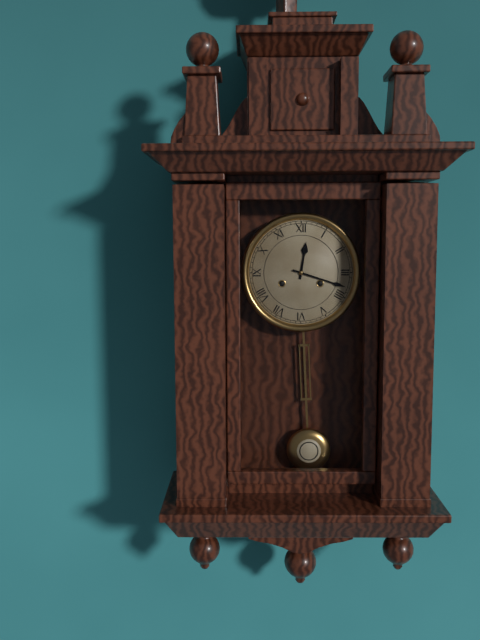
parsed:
12:18
